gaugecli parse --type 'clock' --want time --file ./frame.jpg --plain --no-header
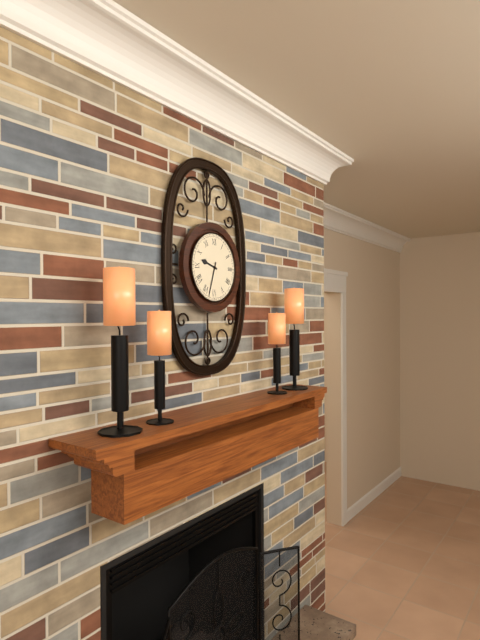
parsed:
9:33
